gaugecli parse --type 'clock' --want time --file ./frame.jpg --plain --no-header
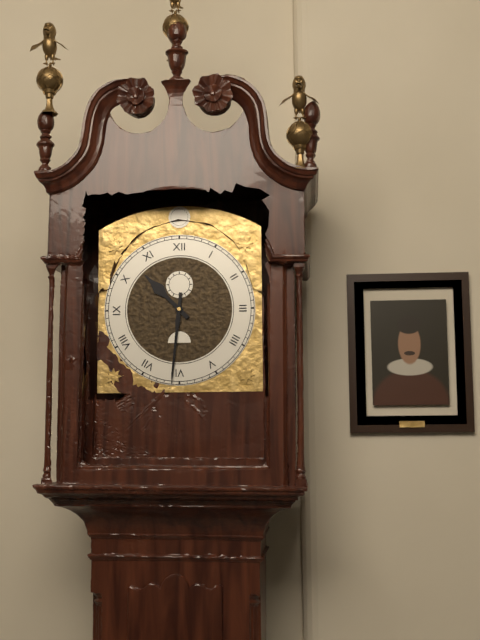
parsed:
10:31
